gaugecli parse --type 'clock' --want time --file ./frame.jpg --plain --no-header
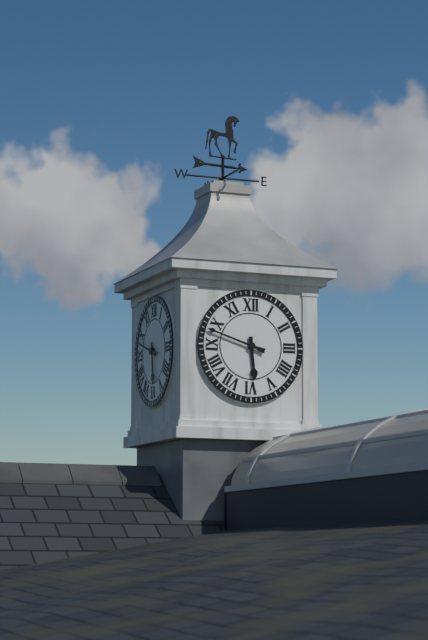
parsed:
5:48
